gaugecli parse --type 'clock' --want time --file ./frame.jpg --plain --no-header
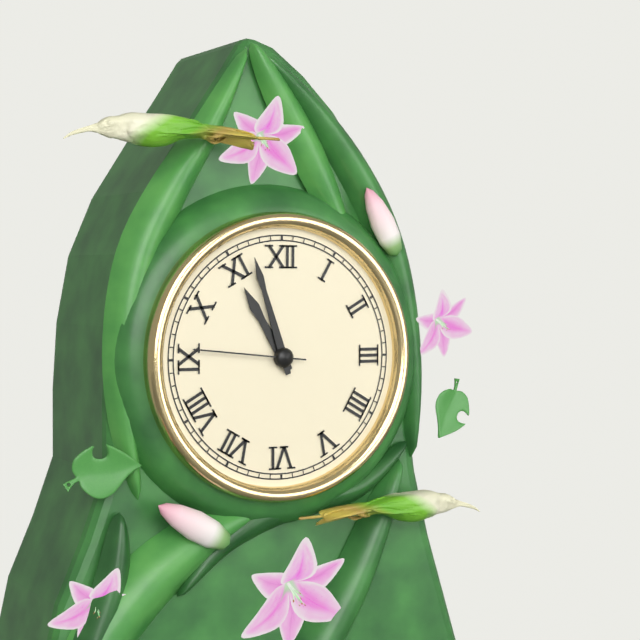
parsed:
10:57
